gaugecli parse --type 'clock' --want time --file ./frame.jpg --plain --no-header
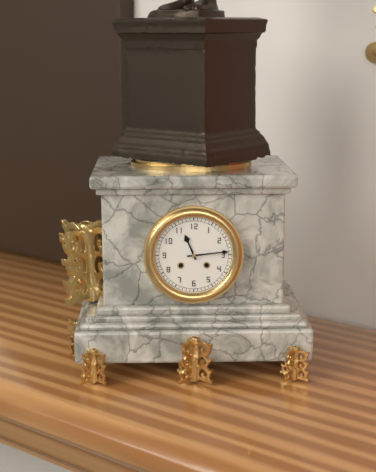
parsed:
11:14
